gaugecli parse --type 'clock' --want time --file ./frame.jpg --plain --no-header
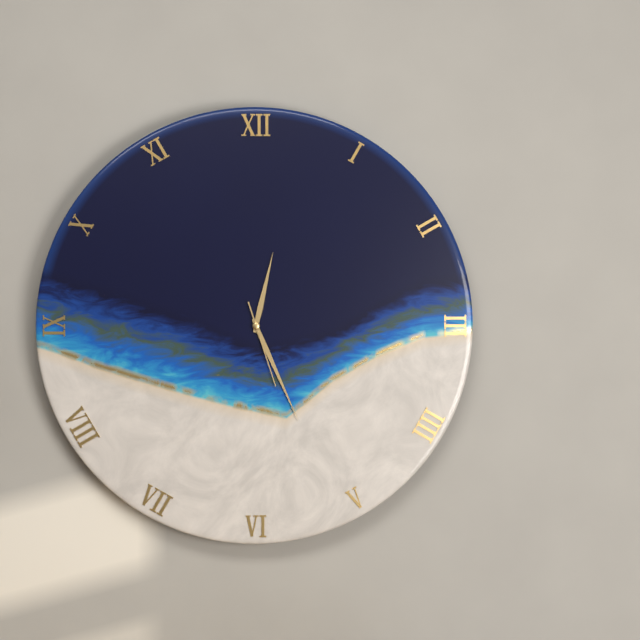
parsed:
12:26:27
